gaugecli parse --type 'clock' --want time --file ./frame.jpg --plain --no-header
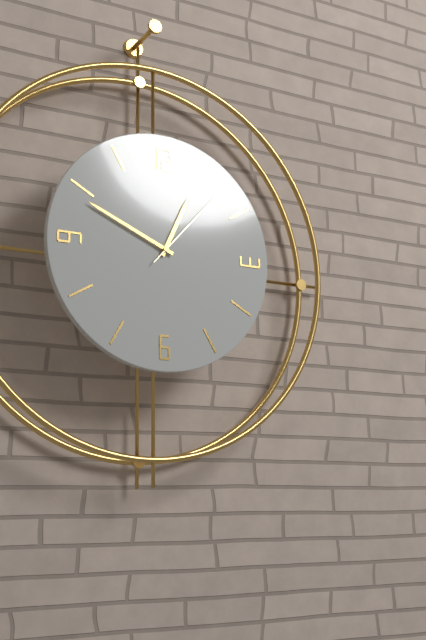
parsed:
12:49:07
